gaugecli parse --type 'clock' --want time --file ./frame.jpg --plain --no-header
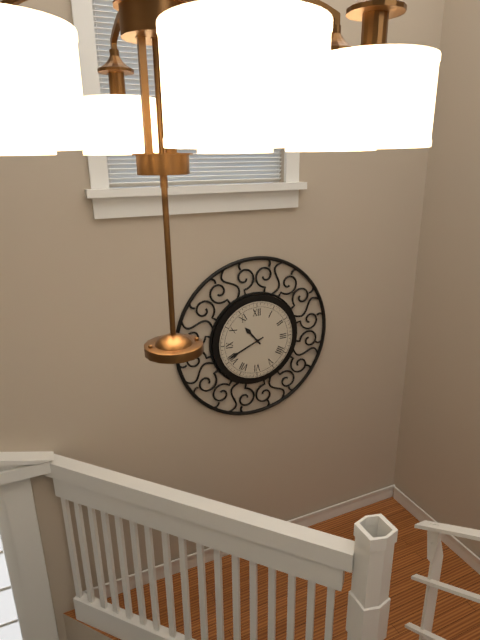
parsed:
10:41
